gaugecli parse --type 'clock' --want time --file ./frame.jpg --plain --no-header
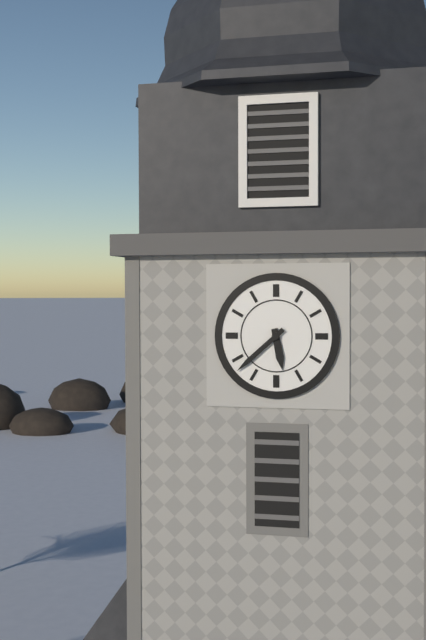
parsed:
5:38
